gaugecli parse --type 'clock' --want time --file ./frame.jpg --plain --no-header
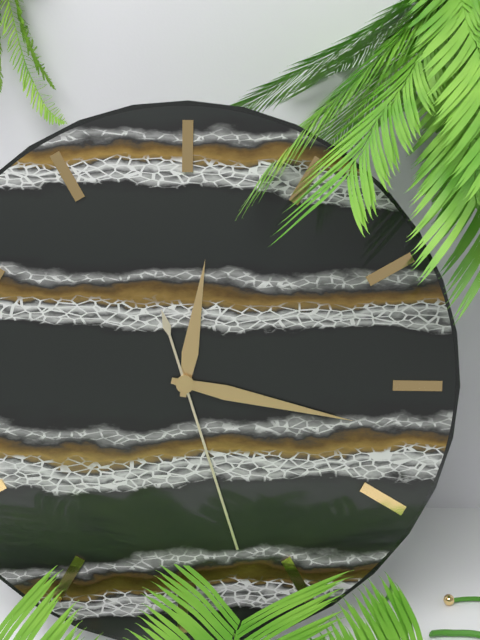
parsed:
12:17:27
